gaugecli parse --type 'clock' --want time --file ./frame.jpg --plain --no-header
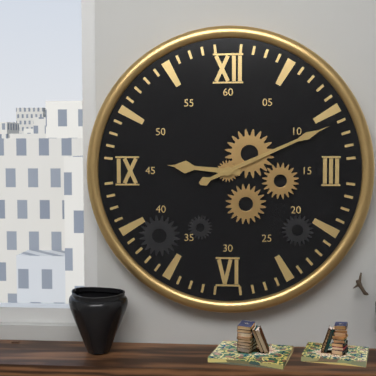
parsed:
9:11
